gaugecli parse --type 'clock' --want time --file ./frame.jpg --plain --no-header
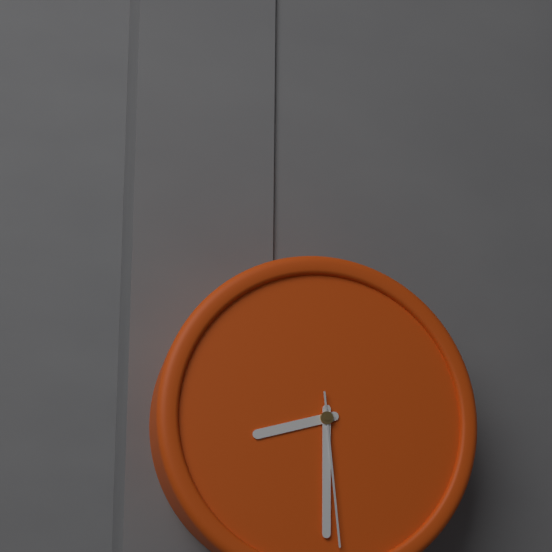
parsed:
8:30:29
